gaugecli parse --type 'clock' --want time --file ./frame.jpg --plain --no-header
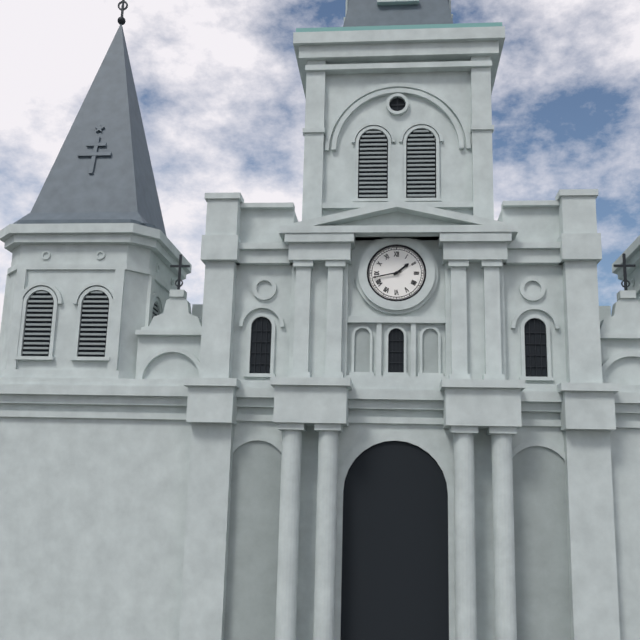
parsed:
1:43
